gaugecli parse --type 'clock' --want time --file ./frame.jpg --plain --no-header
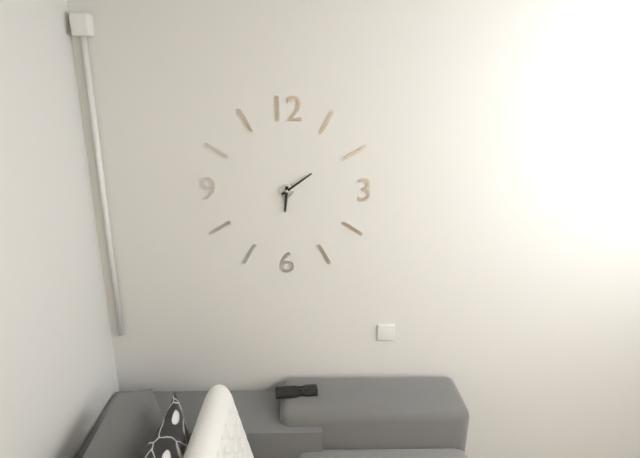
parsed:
6:09
